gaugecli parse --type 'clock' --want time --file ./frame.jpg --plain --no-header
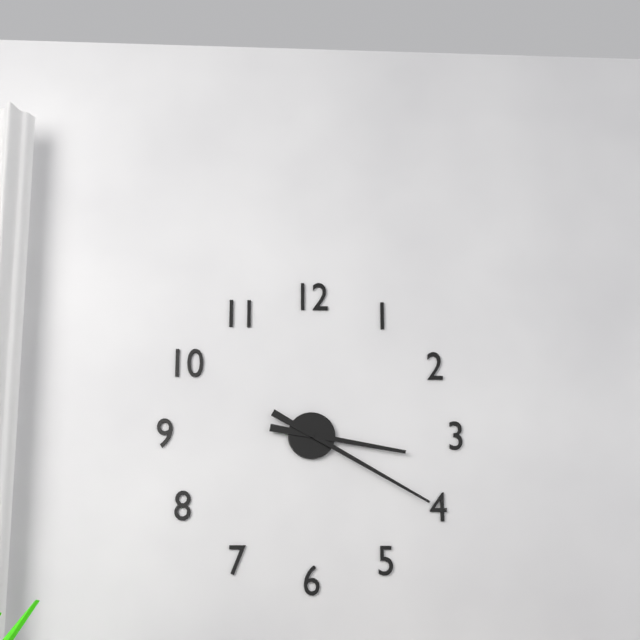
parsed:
3:20
